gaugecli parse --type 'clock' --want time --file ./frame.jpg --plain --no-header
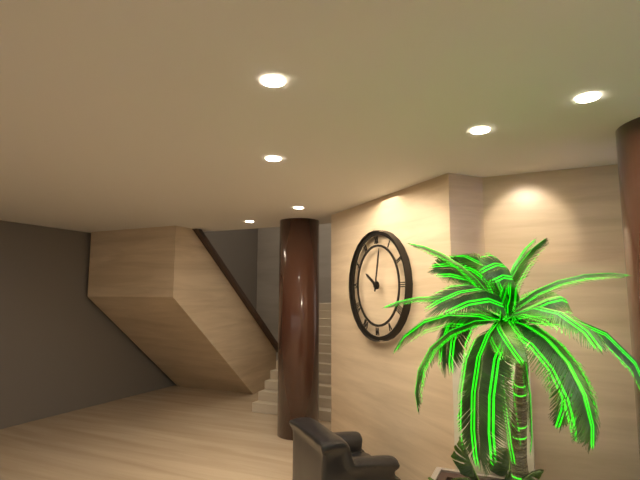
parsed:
10:02
